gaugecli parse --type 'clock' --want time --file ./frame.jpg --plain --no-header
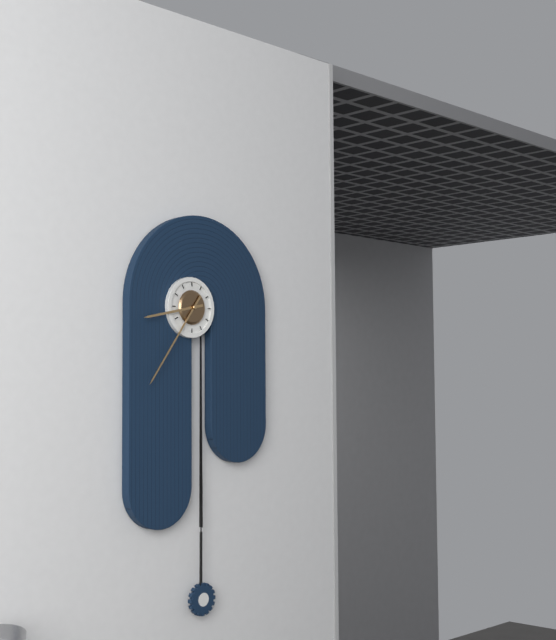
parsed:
8:36
